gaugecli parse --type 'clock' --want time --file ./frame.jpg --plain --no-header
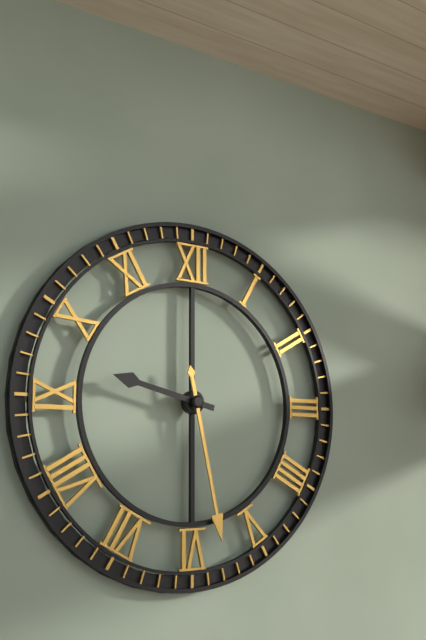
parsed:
9:28
